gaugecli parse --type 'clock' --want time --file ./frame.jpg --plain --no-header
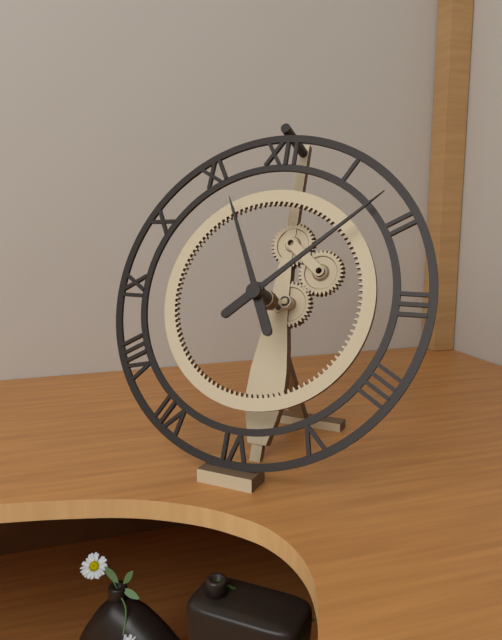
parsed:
11:08
